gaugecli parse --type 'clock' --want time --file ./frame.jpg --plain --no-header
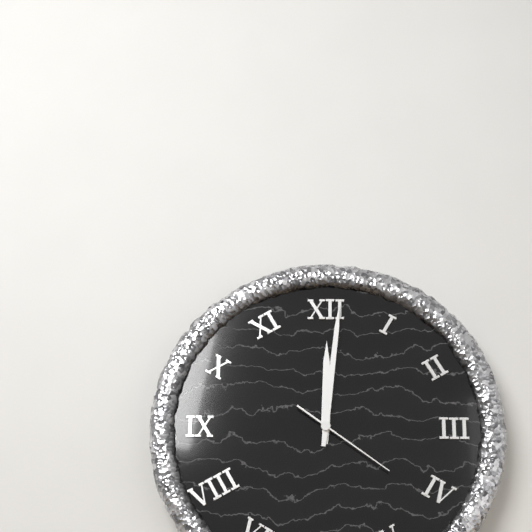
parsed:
12:01:21
